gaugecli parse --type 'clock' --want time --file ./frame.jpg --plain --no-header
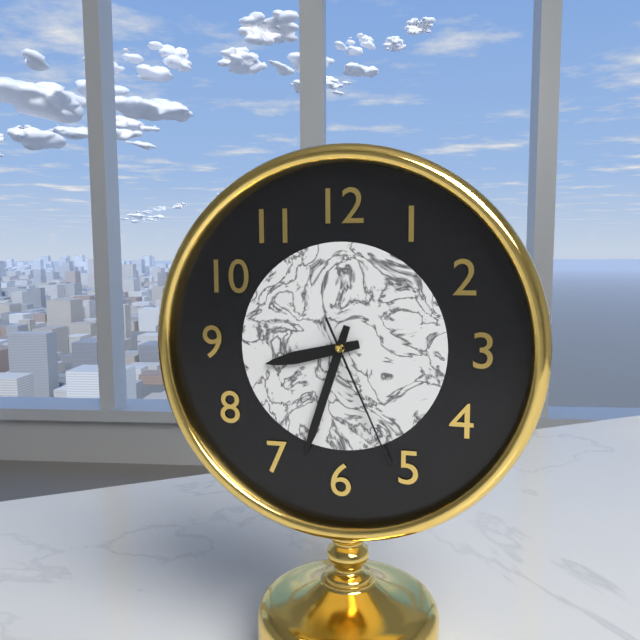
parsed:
8:33:26
